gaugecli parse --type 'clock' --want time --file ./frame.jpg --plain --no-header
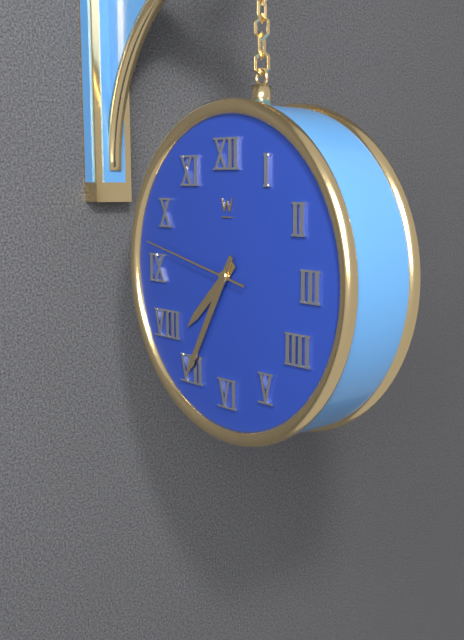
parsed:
7:35:47
